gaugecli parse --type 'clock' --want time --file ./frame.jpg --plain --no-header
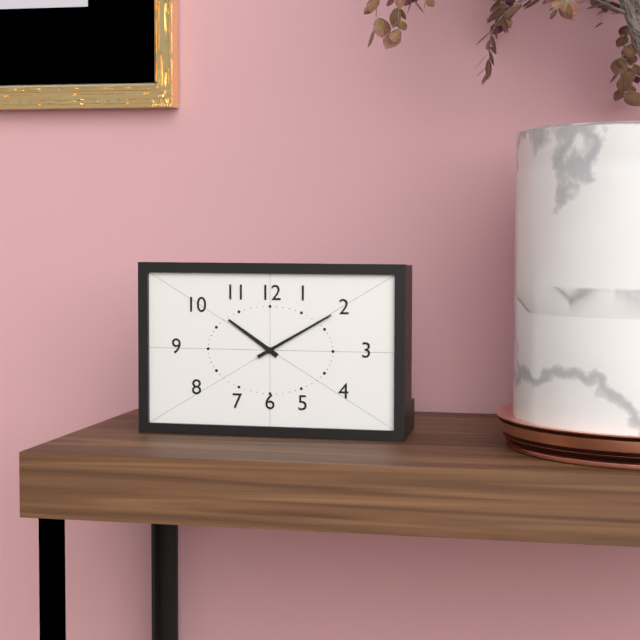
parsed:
10:10
